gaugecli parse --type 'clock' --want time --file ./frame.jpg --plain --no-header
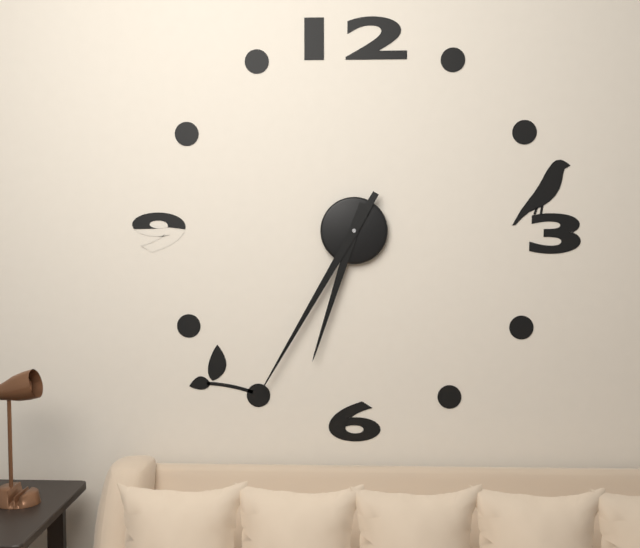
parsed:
6:35
